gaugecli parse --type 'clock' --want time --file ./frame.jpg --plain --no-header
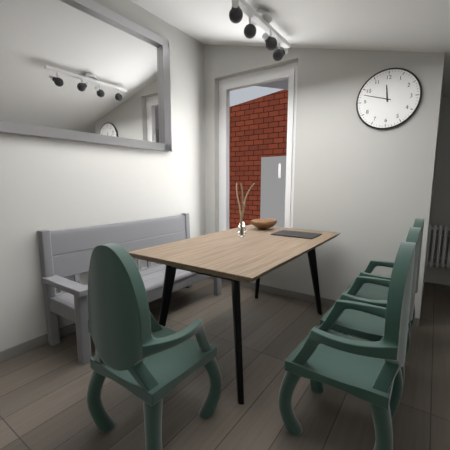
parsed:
11:48
